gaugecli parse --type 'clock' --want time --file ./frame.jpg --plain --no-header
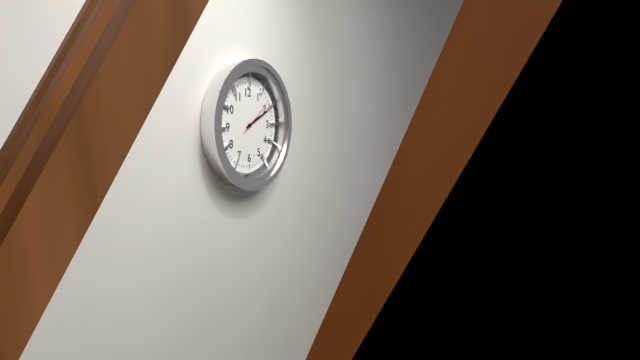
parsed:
2:11
